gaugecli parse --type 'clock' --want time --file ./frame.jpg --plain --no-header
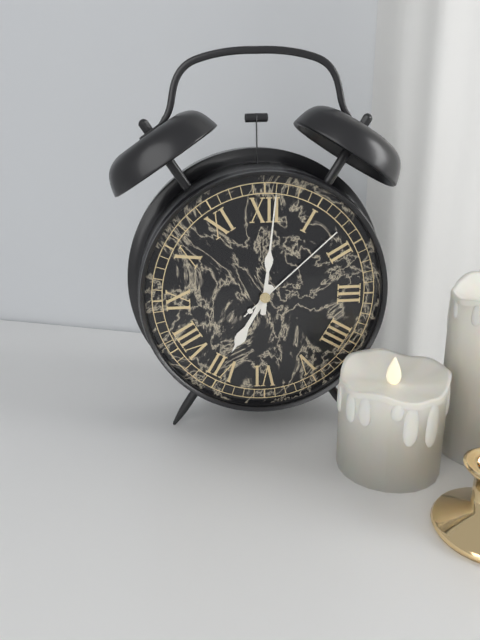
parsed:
7:01:08
